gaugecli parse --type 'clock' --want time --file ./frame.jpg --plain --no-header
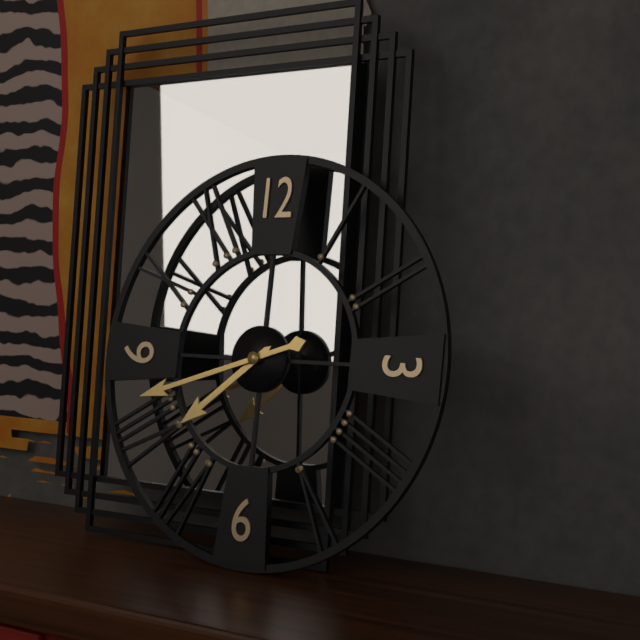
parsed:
7:42
